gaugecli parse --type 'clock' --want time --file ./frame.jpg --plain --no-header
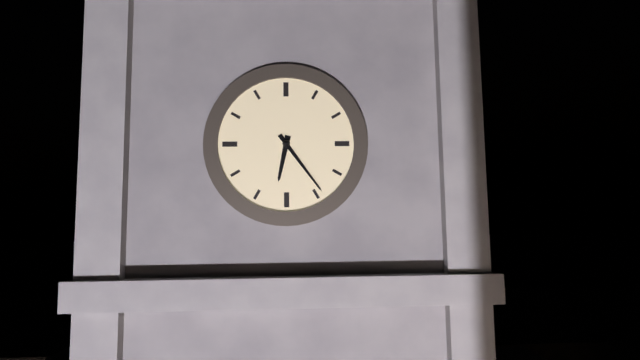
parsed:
6:24
